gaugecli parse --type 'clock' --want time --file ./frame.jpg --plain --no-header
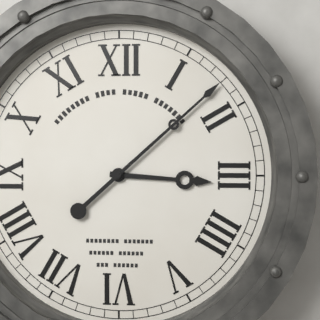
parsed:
3:08
